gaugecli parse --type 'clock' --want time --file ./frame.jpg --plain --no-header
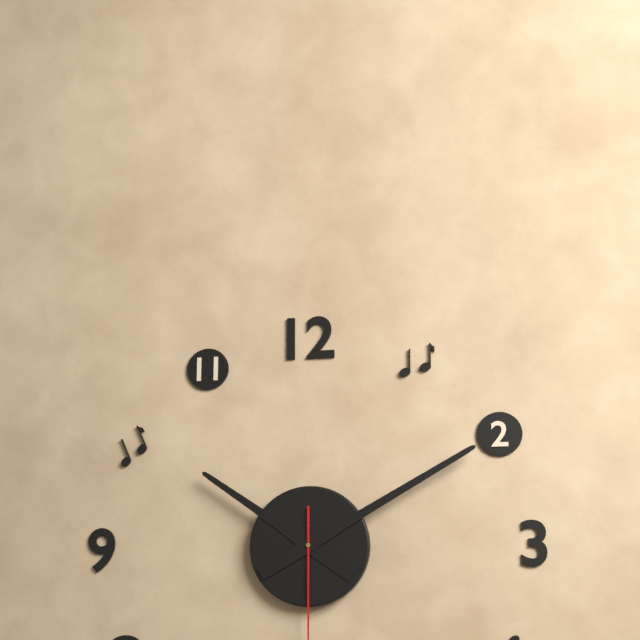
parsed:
10:10
